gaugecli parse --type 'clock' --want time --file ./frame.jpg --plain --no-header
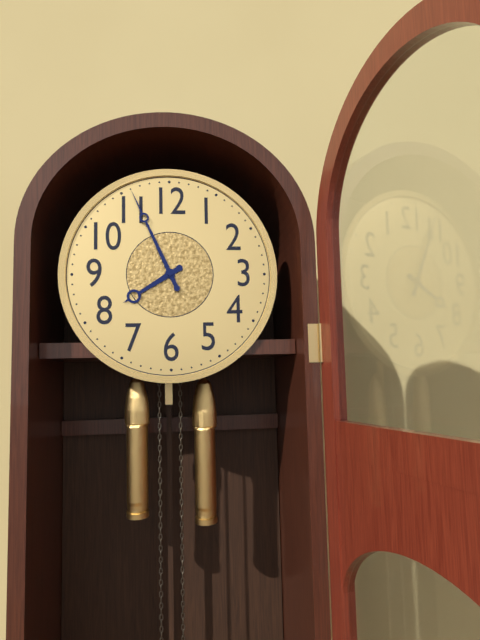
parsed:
7:56
